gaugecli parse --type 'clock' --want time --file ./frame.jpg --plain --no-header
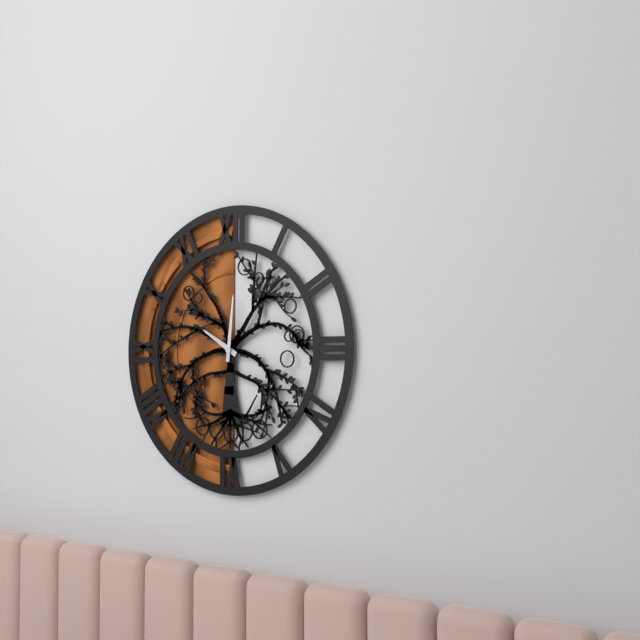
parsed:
10:01
